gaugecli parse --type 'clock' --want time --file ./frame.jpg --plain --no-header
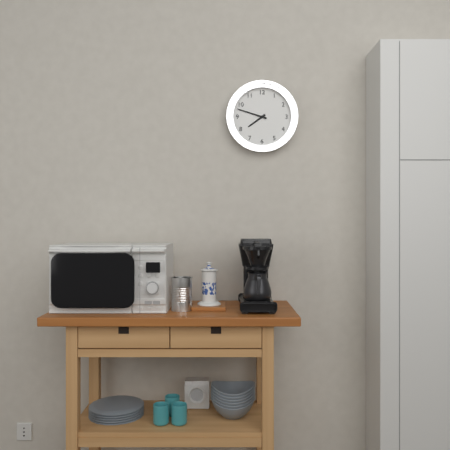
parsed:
7:48
